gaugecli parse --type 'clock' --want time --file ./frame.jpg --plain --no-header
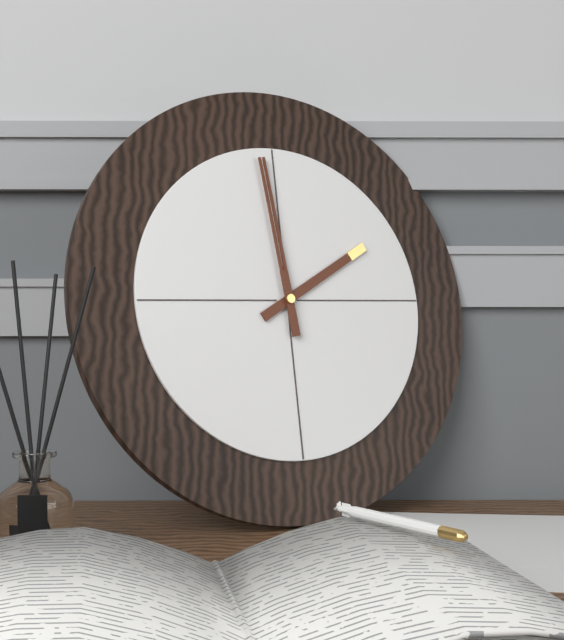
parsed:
1:59
